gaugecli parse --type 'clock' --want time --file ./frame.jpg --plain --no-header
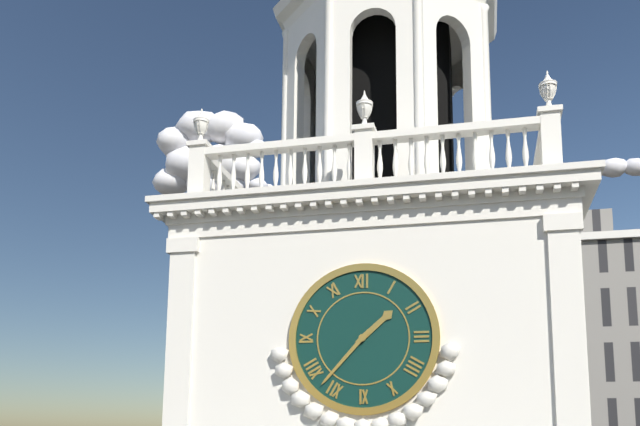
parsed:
1:37
